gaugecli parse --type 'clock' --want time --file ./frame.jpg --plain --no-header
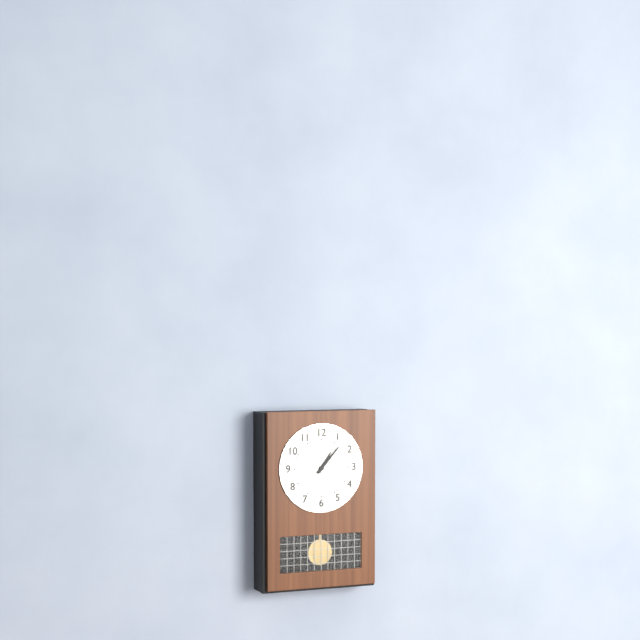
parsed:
1:07
